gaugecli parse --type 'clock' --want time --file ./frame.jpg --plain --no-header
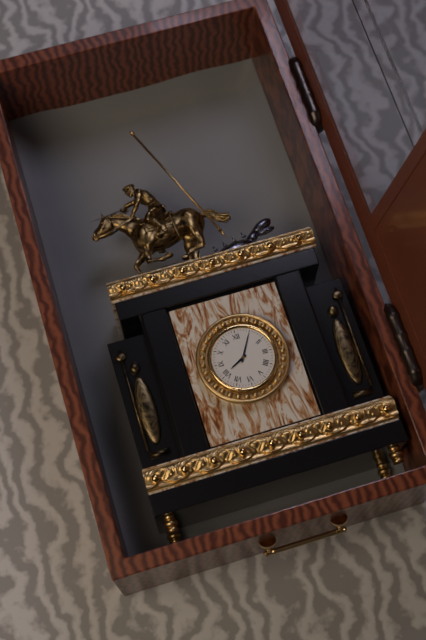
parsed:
8:05
